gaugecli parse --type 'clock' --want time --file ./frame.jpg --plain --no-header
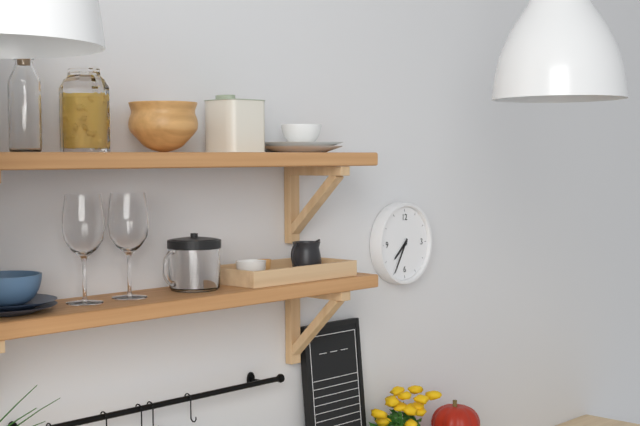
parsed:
7:35
